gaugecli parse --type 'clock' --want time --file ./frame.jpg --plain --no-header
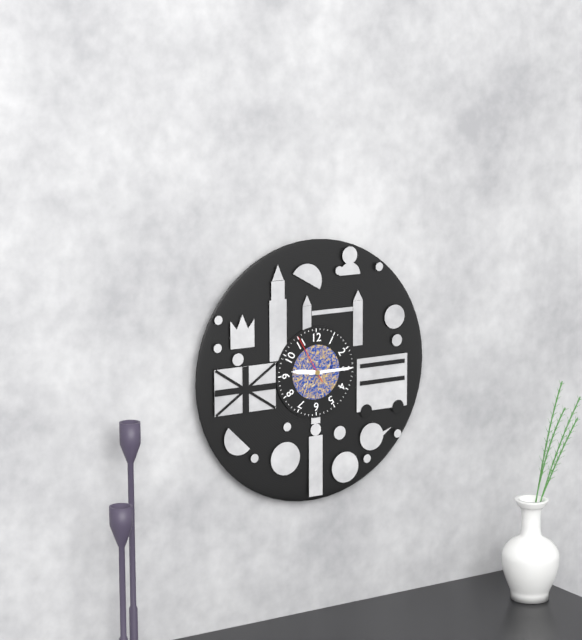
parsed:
9:15
